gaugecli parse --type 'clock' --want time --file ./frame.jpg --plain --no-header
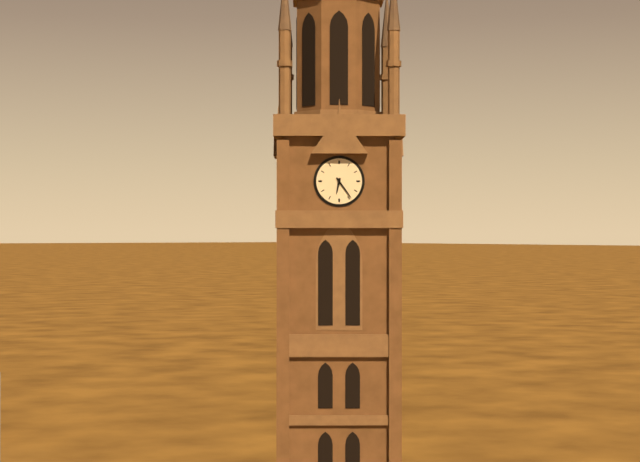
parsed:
6:24
